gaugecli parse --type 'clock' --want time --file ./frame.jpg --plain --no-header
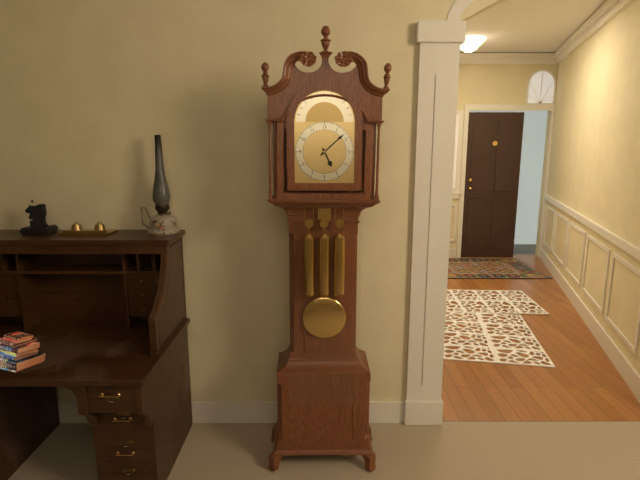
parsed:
5:08
